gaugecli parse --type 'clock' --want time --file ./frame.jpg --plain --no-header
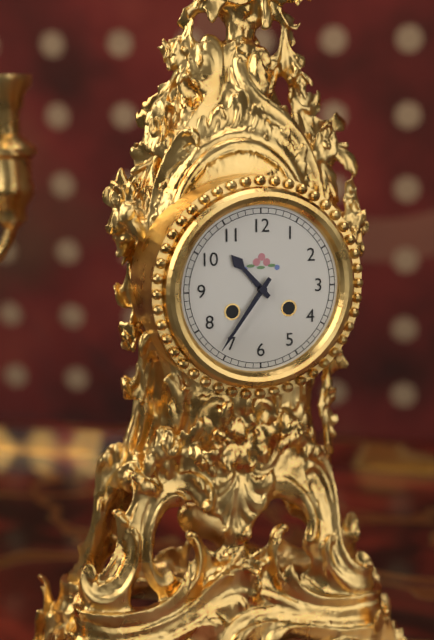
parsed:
10:36
